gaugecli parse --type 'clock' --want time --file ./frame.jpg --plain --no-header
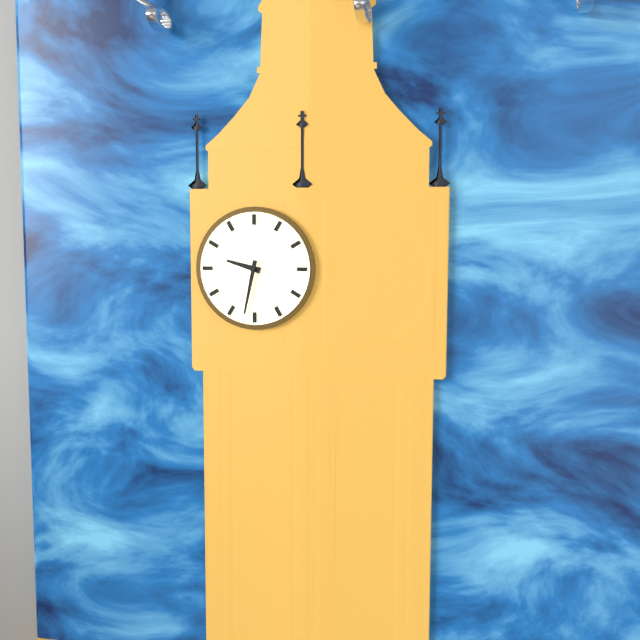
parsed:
9:32
